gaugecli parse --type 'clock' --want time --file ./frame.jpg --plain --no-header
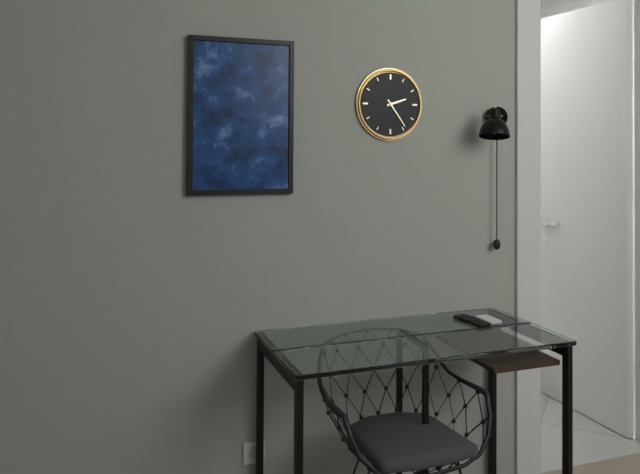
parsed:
2:24
